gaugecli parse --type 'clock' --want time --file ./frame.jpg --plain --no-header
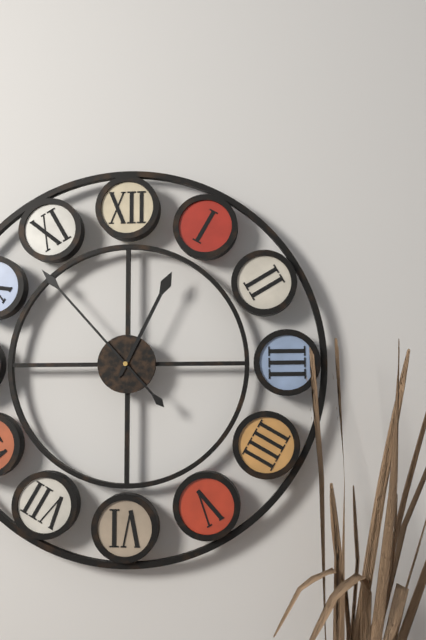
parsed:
12:53
